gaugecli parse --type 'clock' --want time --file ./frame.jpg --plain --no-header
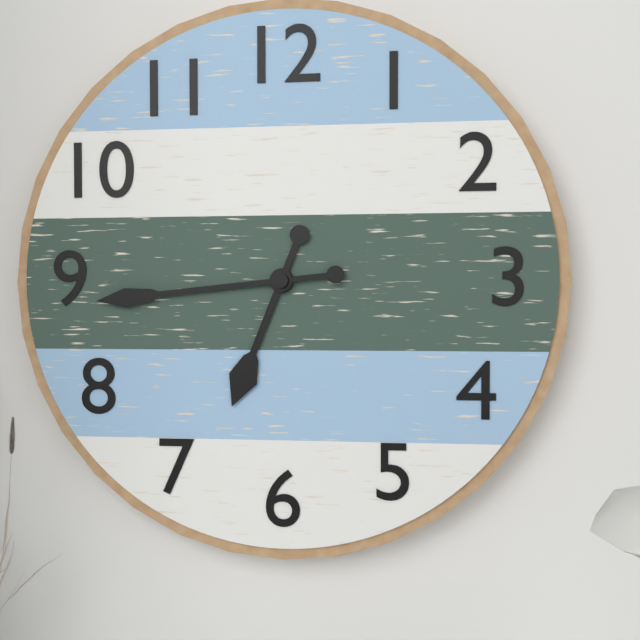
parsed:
6:44
